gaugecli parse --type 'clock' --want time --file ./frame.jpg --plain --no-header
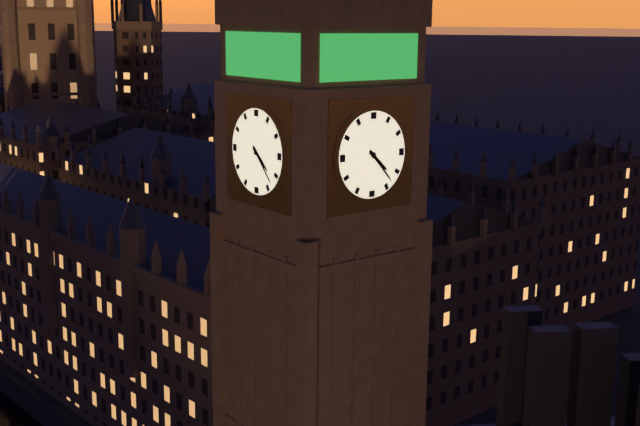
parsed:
4:23
